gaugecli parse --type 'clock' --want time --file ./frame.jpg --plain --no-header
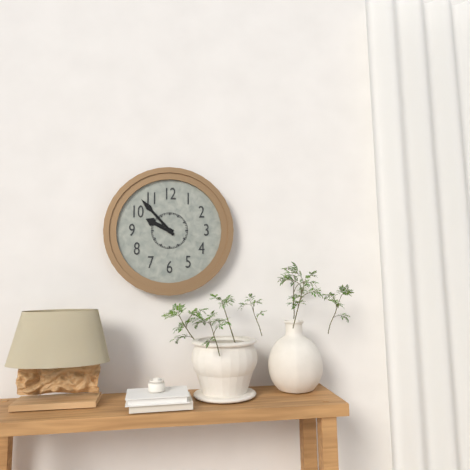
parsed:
9:53
